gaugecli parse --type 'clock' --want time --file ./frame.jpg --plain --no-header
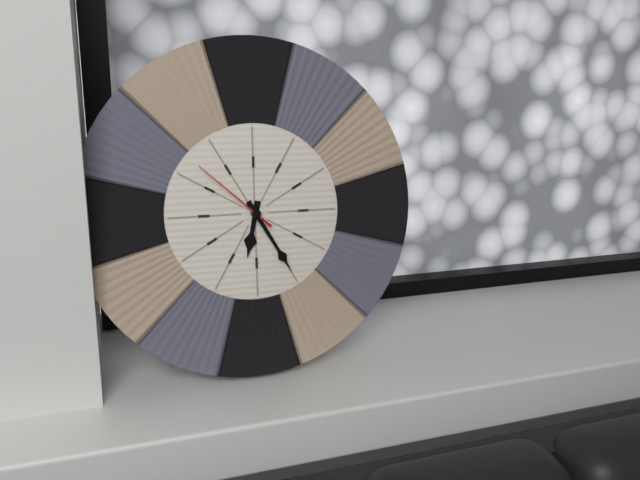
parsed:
6:25:52
